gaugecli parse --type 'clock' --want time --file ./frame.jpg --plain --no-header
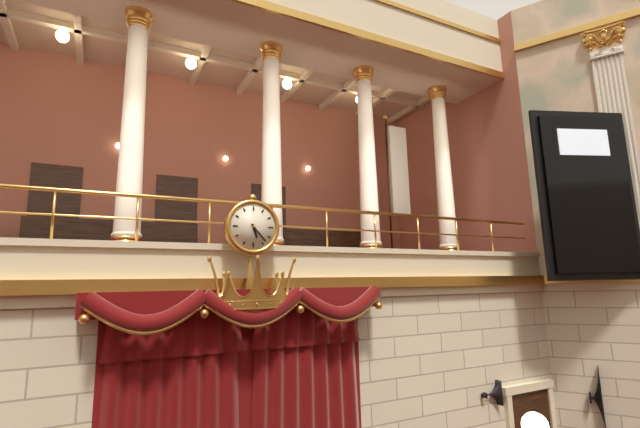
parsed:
5:23
